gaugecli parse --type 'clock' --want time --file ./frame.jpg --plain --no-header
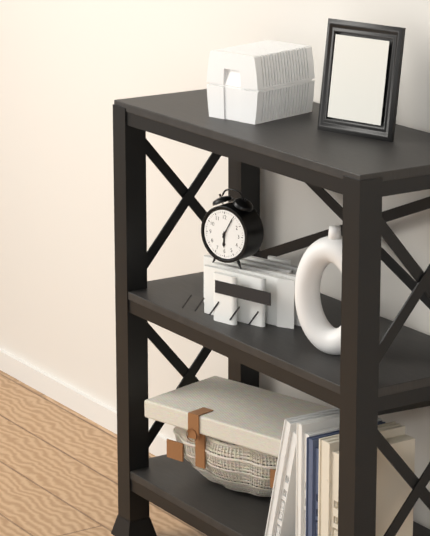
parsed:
6:05
